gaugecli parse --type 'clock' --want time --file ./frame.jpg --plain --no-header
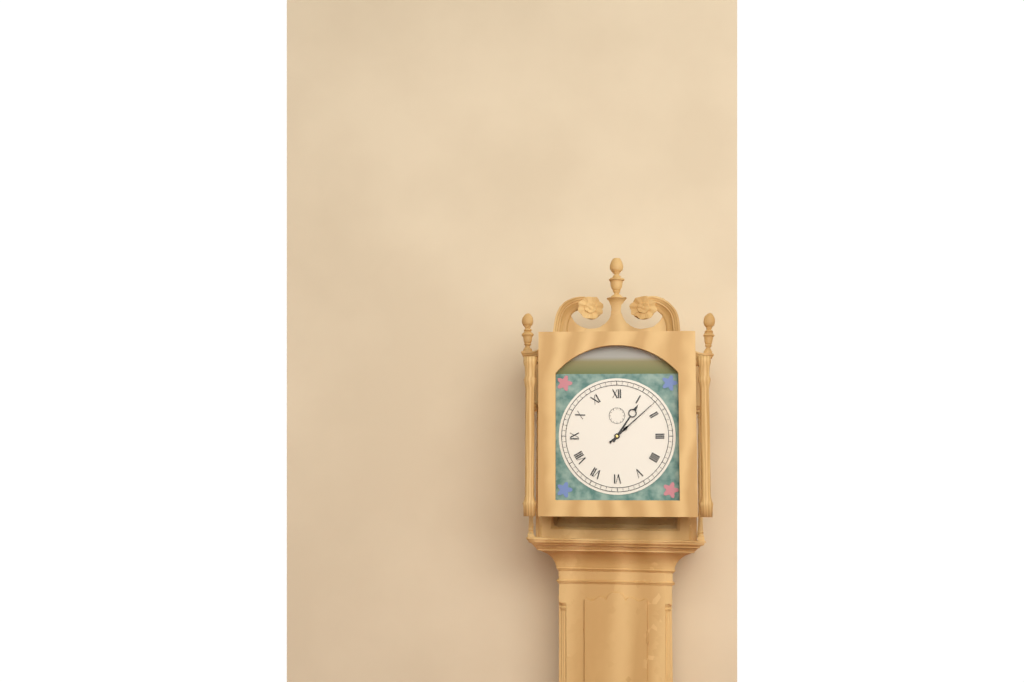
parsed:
1:08
